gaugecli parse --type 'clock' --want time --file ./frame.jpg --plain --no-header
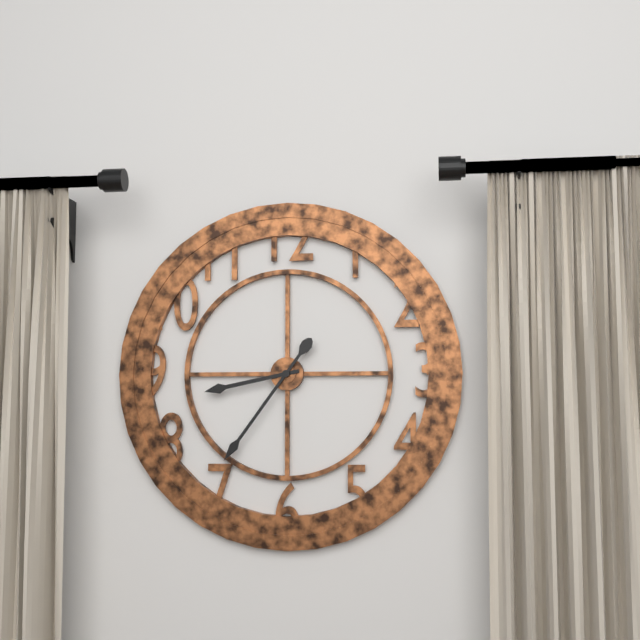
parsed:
8:36
